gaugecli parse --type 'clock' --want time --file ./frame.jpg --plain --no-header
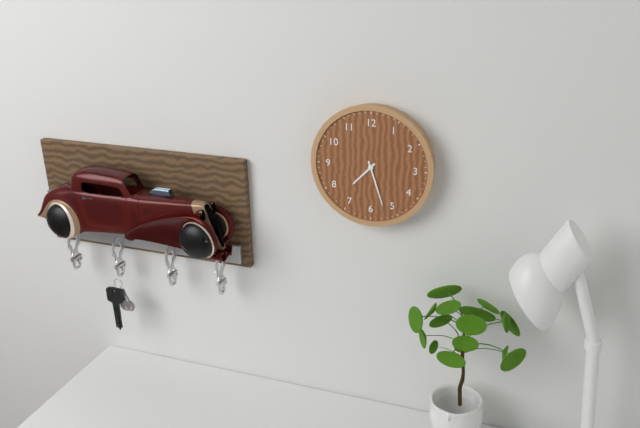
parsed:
7:27
